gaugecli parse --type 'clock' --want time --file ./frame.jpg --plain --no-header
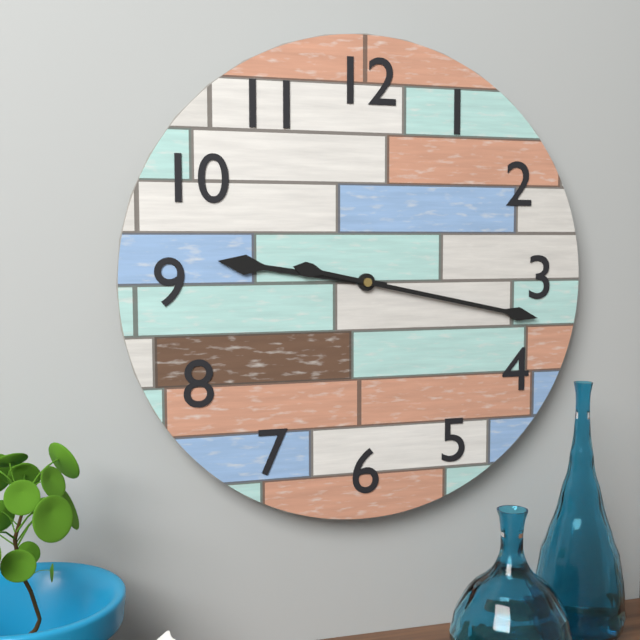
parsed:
9:17
